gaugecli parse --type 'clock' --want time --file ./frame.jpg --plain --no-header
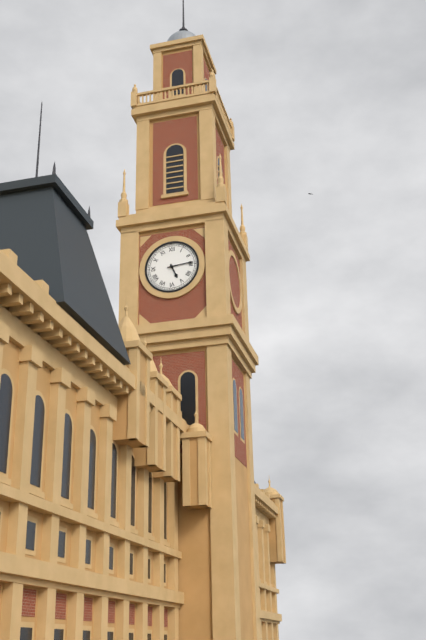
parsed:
5:14
